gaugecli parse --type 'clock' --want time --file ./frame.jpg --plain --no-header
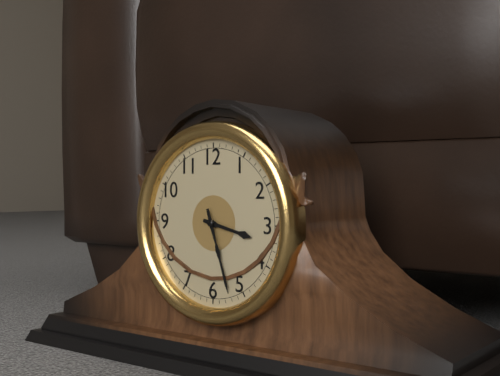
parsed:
3:27
